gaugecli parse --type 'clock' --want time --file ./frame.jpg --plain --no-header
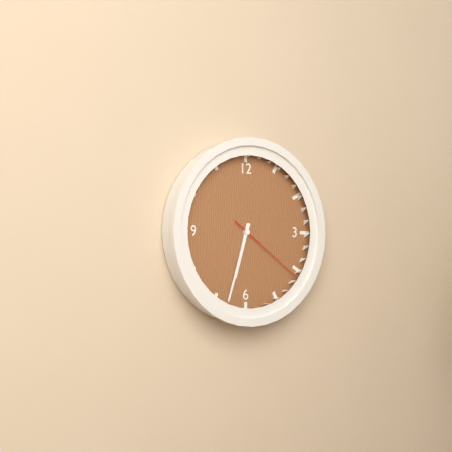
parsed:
6:33:21
